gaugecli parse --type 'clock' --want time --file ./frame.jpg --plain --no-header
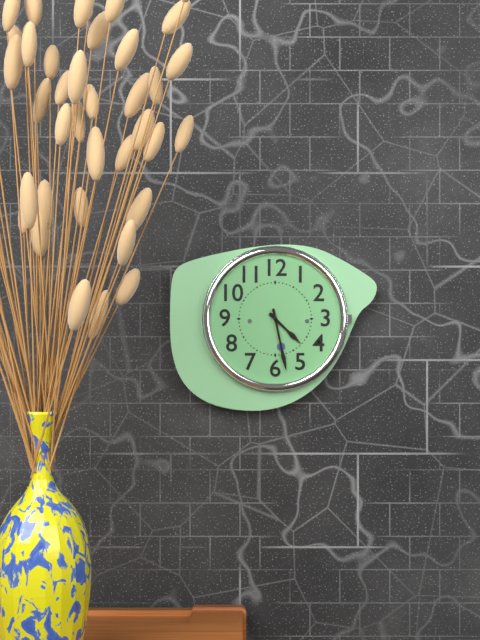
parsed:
4:28
